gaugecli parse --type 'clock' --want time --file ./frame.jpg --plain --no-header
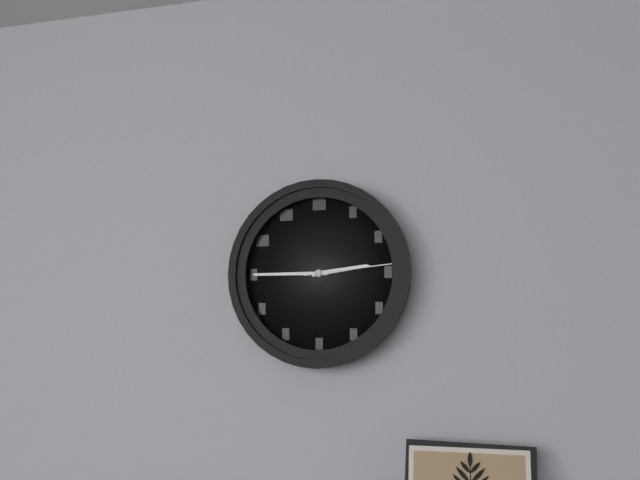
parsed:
2:45:14
